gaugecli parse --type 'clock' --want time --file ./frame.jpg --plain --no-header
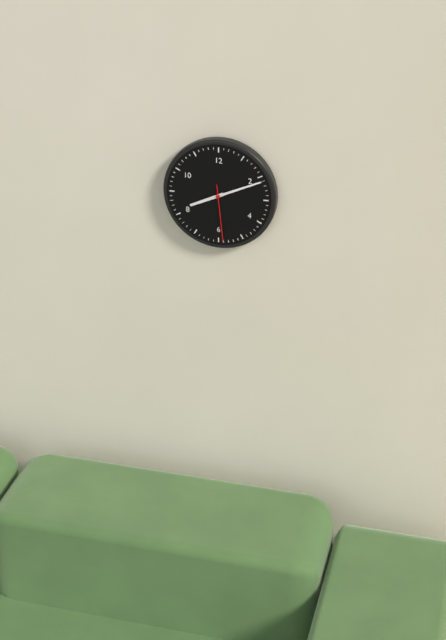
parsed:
8:11:29
